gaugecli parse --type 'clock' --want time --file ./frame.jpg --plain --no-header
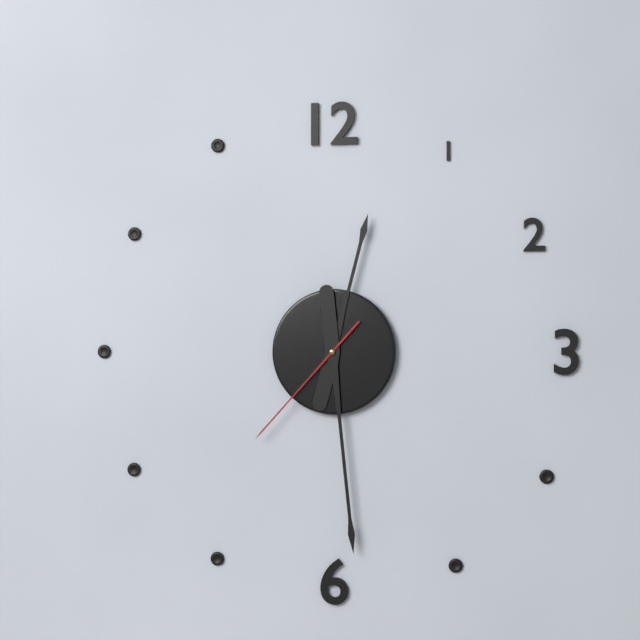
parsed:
12:29:37
